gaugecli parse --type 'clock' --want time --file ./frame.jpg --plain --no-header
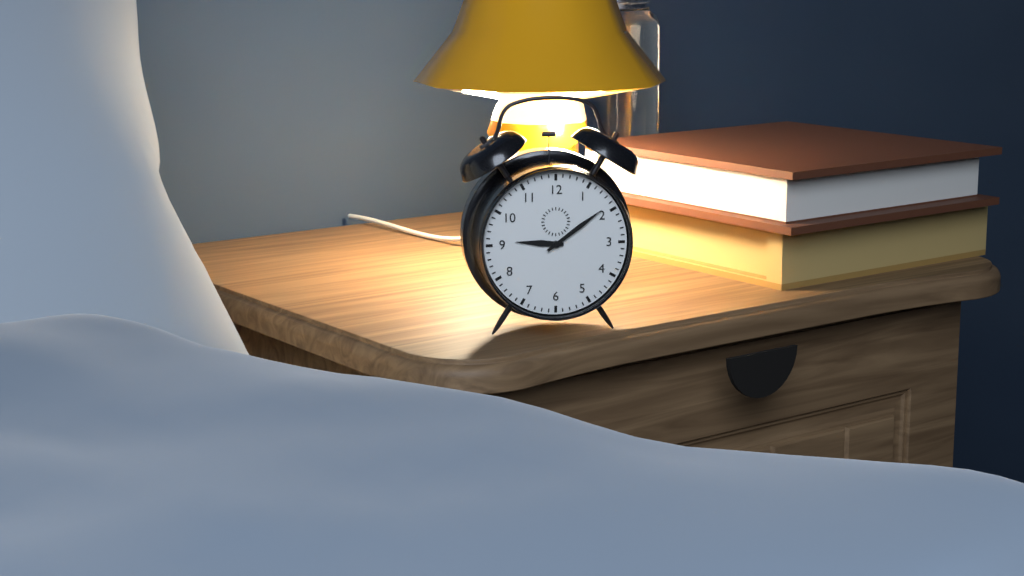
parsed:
9:09
